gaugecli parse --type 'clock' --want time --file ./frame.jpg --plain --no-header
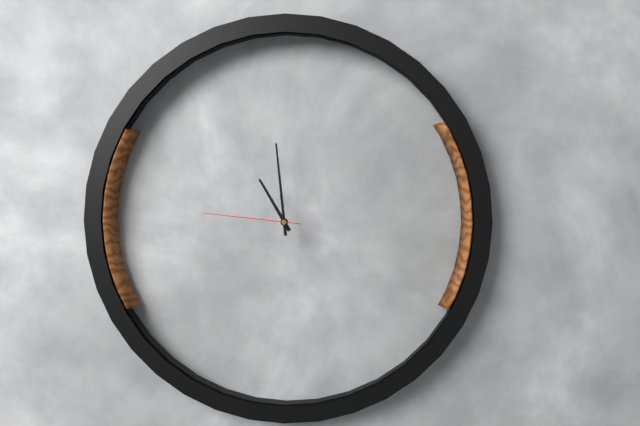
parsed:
10:59:46
